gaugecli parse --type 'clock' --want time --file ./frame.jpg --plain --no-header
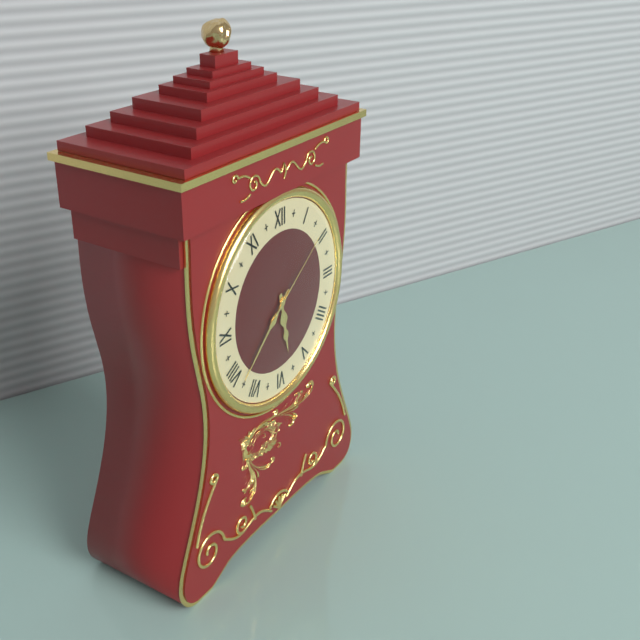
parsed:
5:38:09
